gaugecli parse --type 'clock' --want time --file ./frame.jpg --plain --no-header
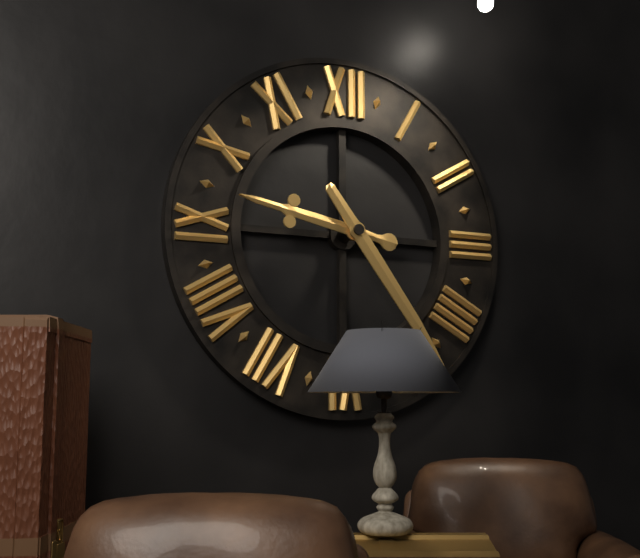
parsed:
9:24
